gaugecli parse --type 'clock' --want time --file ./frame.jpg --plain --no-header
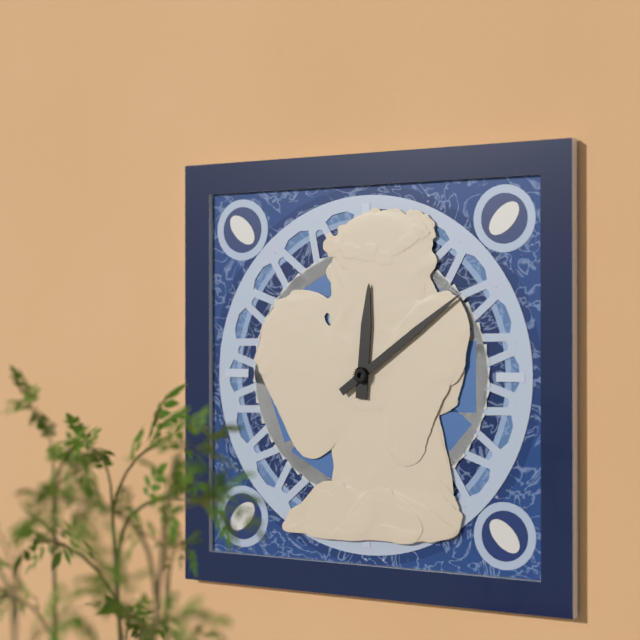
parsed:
12:09
